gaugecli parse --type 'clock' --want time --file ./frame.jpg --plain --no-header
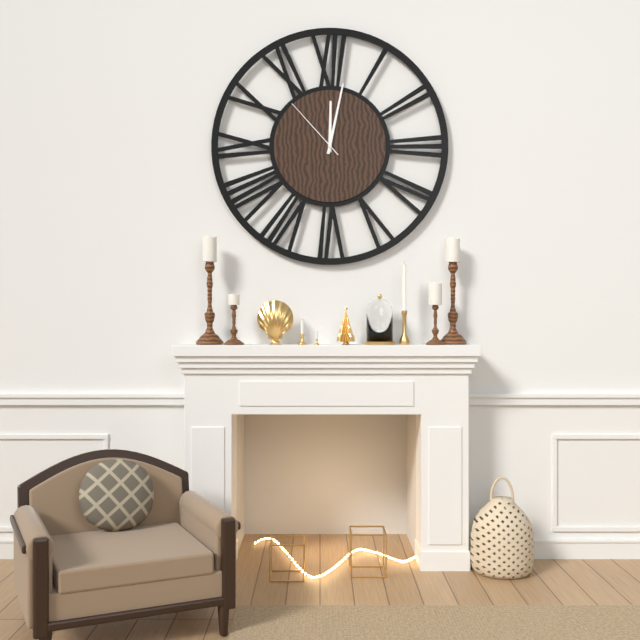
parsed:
12:02:53
